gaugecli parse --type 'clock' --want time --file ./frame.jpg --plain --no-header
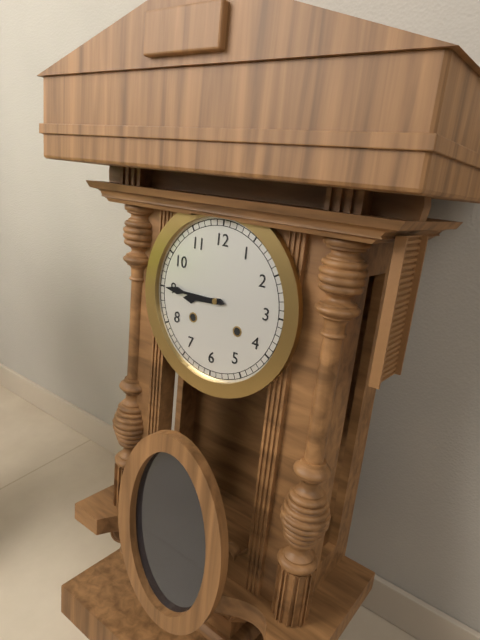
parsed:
8:45
